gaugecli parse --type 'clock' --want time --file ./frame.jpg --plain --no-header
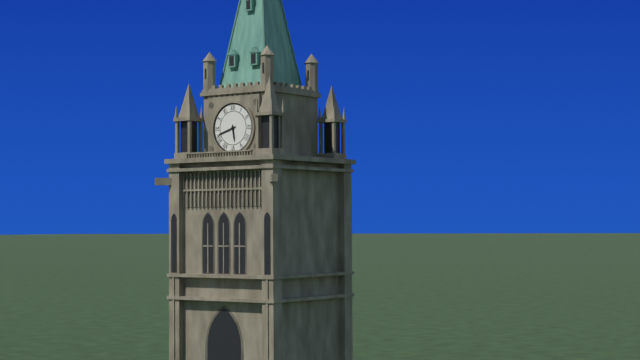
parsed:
5:42
